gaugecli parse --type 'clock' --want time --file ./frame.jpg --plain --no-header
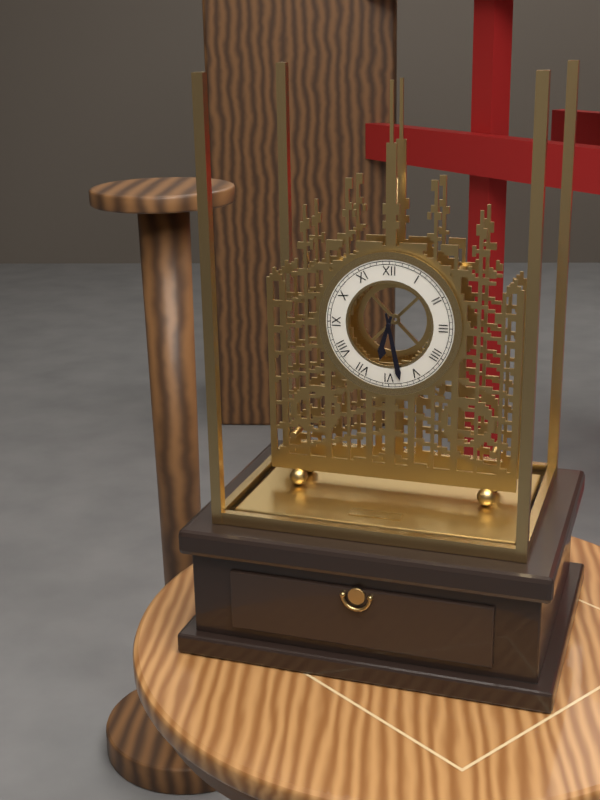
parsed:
6:28
